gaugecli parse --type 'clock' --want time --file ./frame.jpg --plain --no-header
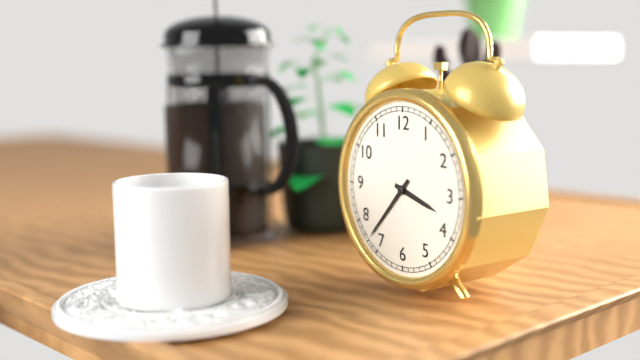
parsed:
3:37
